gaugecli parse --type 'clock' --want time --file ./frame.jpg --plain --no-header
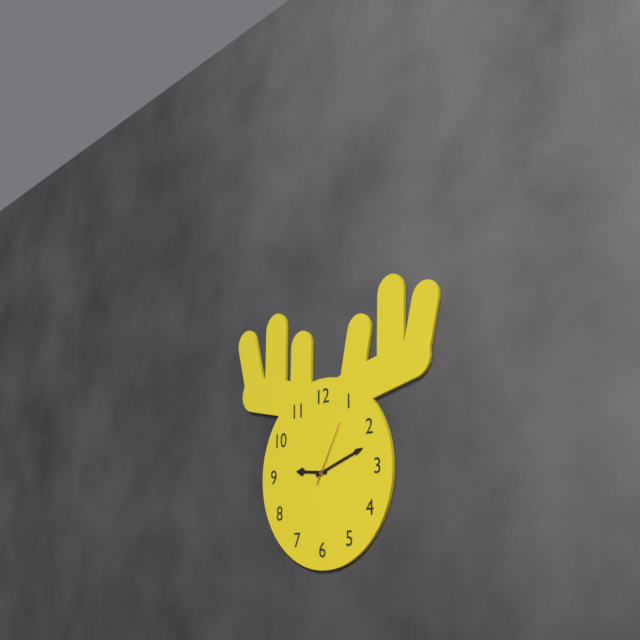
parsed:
9:12:05
